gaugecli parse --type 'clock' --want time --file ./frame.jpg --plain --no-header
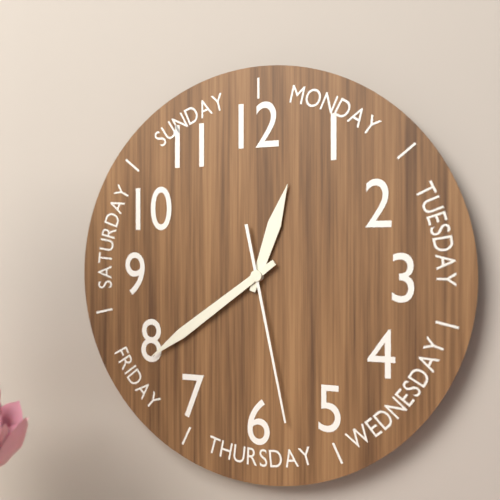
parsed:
12:39:28
